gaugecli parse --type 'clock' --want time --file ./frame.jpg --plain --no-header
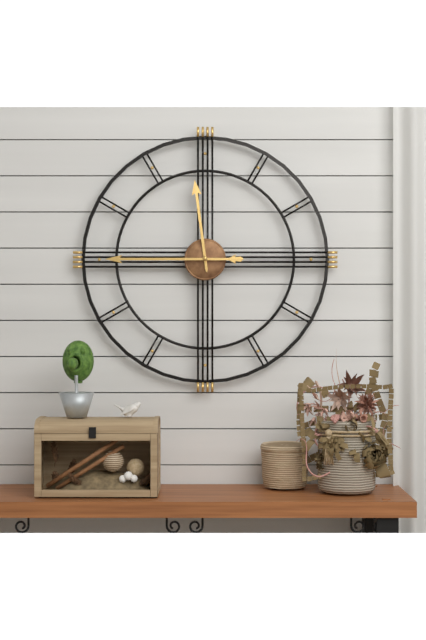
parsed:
11:45
